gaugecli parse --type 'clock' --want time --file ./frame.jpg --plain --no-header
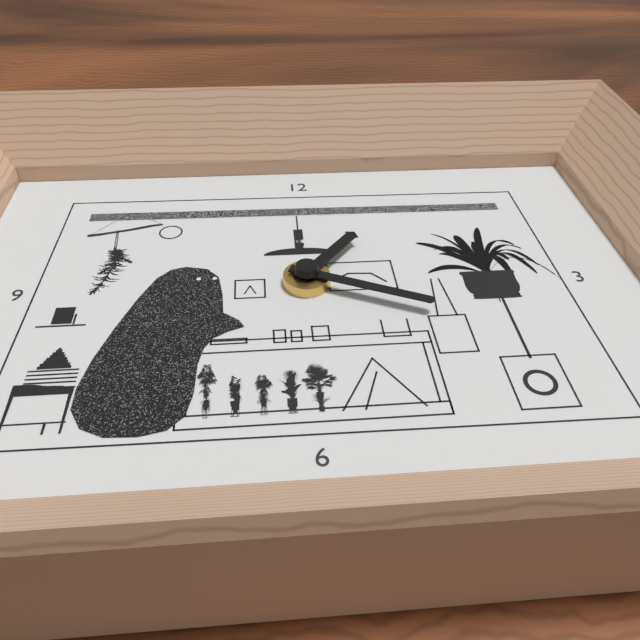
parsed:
1:19
